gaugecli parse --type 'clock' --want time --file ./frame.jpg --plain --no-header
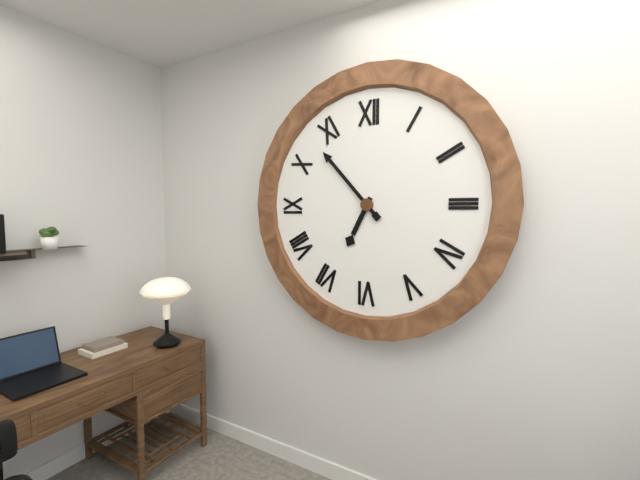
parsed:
6:53
